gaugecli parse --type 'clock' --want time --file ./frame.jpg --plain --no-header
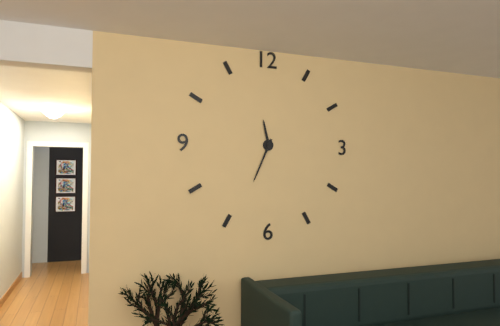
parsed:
11:34
